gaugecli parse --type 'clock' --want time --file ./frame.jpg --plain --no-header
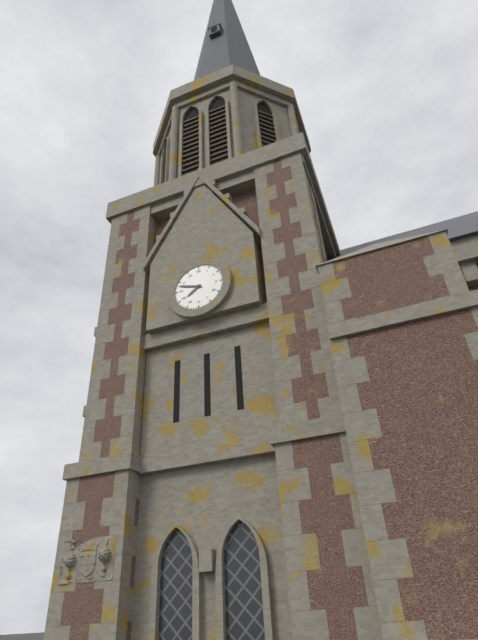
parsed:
7:48
